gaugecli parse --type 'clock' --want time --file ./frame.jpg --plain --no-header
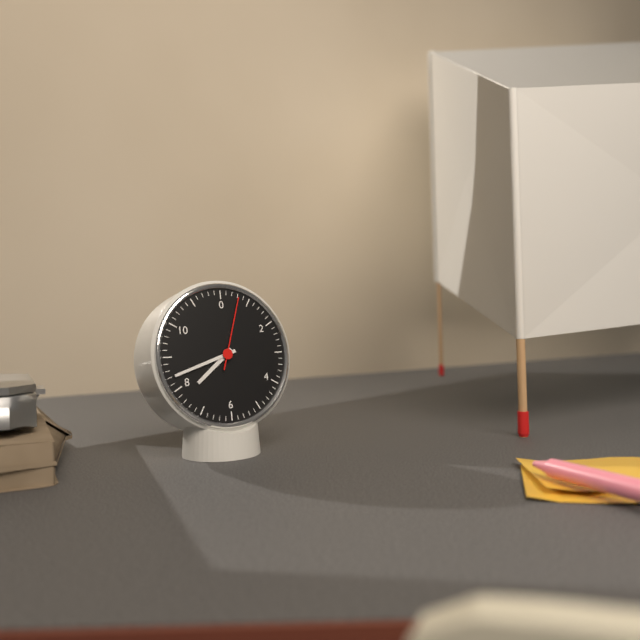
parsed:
7:42:03
